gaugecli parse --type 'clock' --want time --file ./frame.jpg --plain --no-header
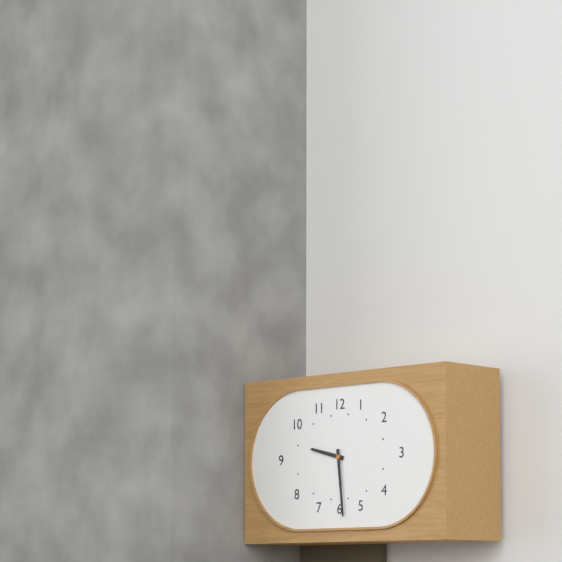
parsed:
9:29
